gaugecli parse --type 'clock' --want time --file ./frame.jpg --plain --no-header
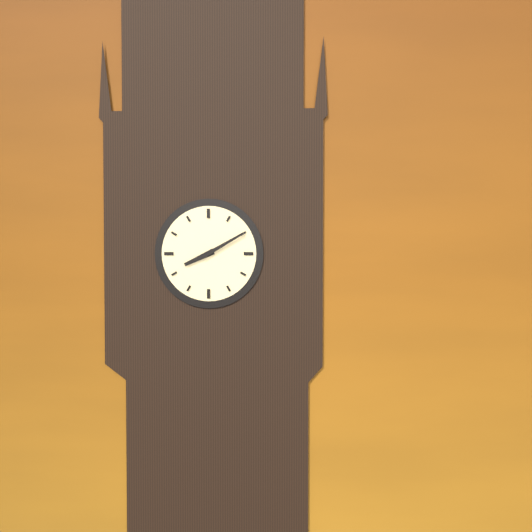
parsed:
8:10
